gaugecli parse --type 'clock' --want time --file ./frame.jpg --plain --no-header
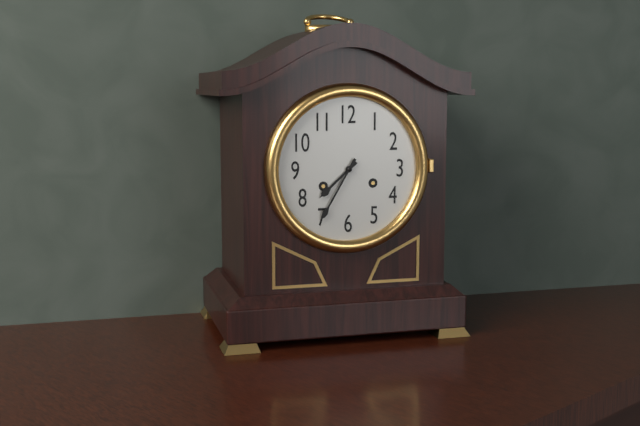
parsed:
7:35
